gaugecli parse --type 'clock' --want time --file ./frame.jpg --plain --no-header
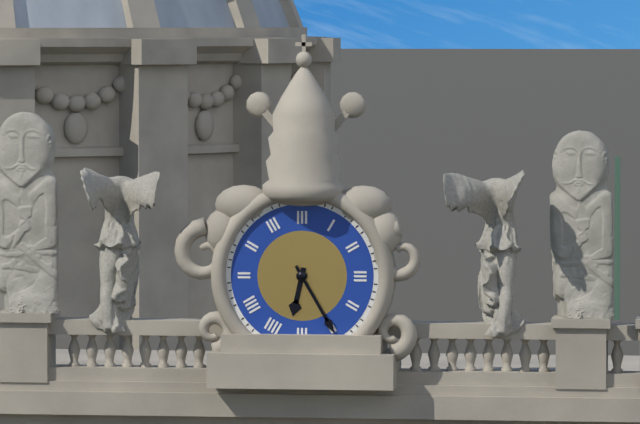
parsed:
6:25
